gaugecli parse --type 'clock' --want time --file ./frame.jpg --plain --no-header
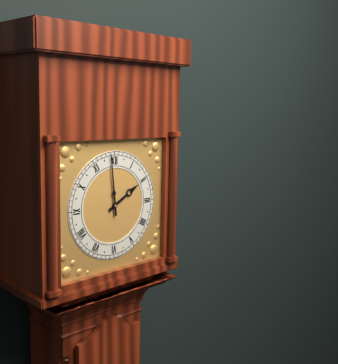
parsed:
1:59
